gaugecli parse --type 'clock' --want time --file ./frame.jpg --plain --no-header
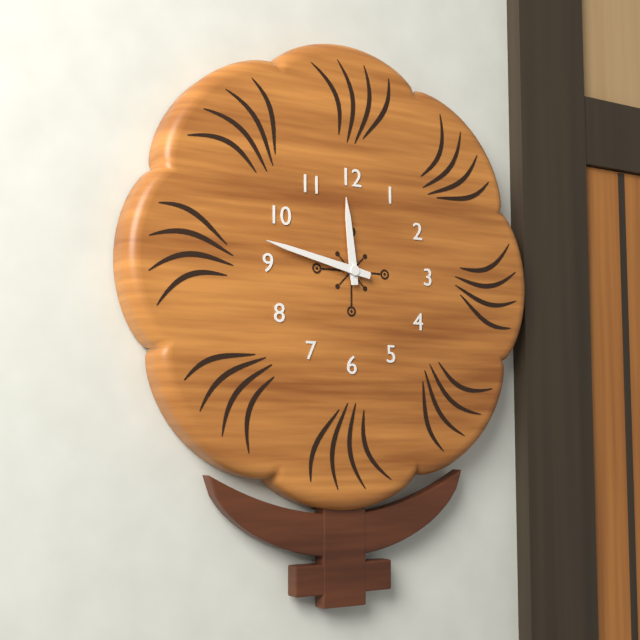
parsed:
11:47
